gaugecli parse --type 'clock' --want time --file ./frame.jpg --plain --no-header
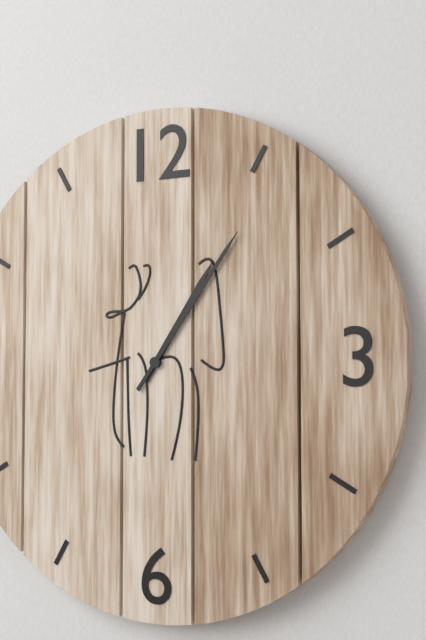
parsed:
1:06
